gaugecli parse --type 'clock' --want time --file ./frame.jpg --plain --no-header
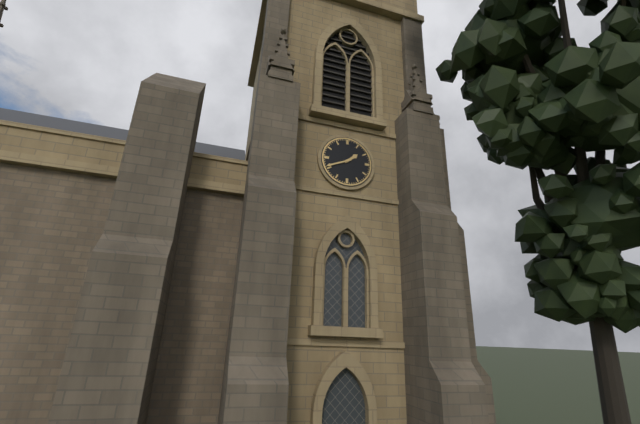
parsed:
1:41
